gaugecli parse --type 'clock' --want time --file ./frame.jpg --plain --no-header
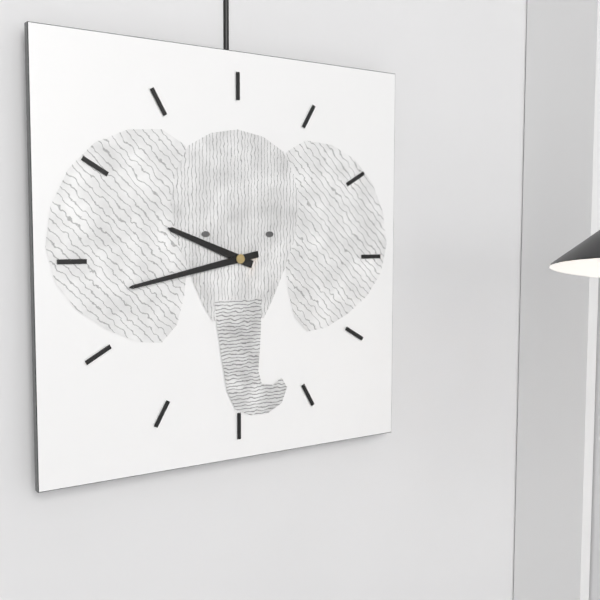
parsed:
9:43
